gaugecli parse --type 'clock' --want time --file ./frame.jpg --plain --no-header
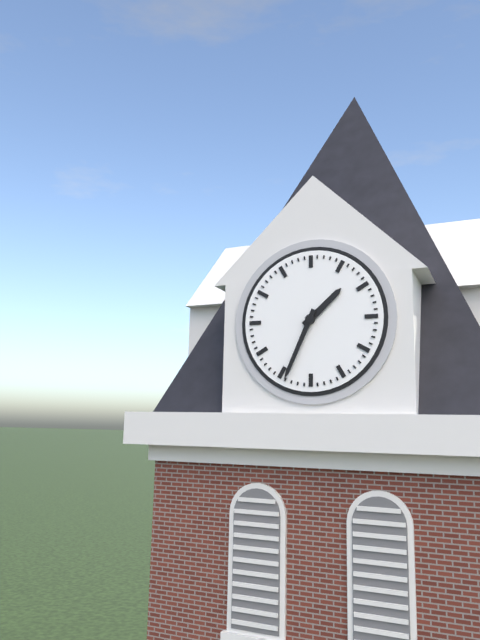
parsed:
1:34
